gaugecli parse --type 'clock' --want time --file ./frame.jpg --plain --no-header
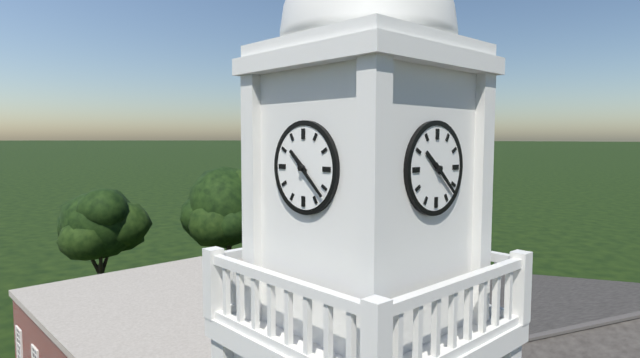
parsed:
10:22
